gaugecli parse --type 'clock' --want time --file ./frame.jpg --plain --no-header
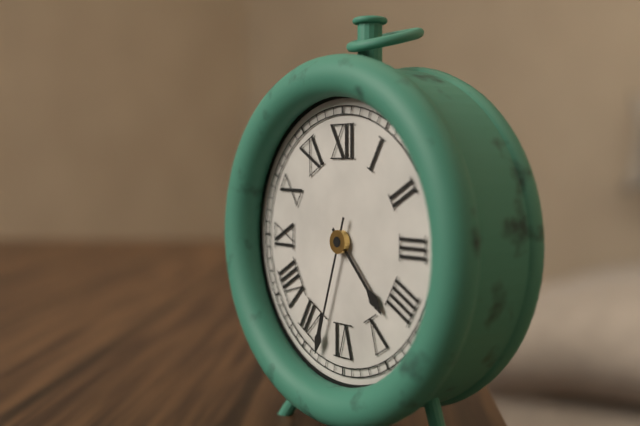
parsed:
4:33
